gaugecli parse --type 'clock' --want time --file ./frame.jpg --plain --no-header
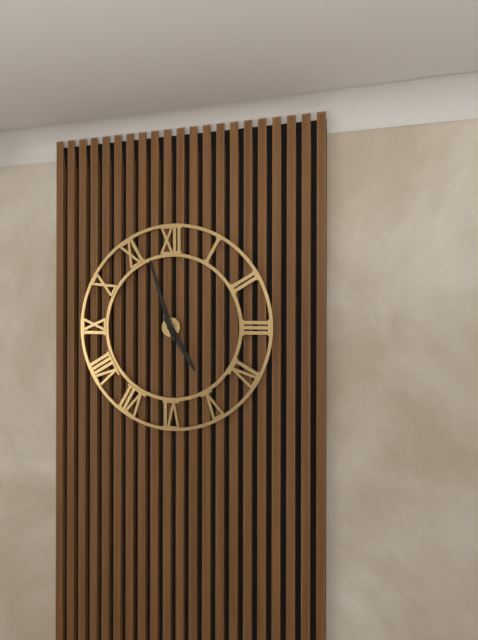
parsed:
4:57
